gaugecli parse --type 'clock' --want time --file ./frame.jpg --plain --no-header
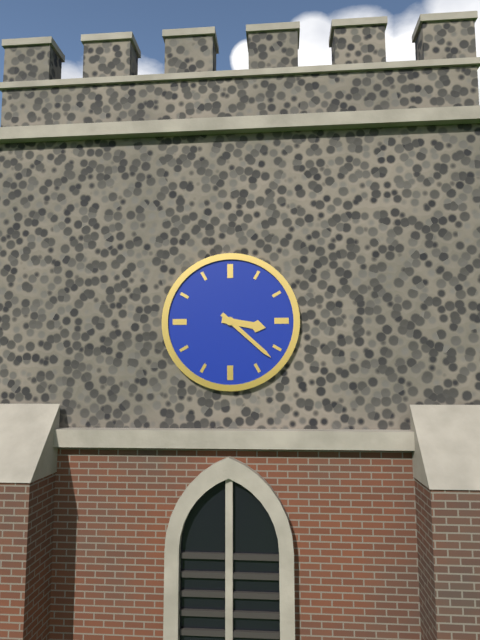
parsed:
3:22
